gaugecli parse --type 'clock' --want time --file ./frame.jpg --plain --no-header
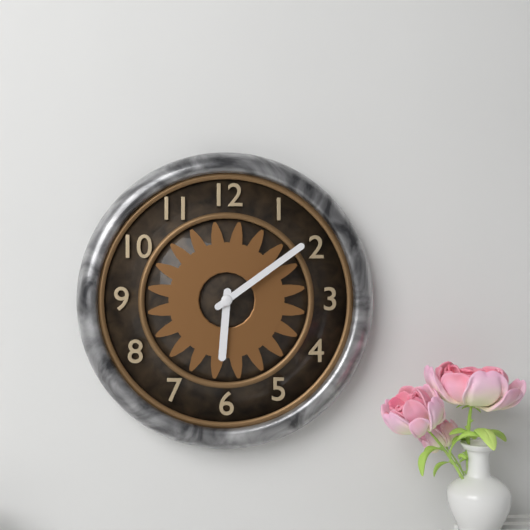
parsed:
6:09
